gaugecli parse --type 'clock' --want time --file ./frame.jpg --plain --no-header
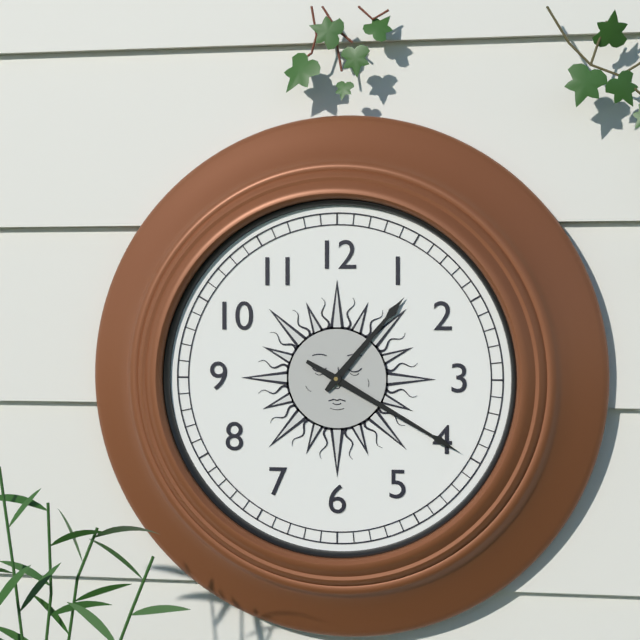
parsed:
1:20
